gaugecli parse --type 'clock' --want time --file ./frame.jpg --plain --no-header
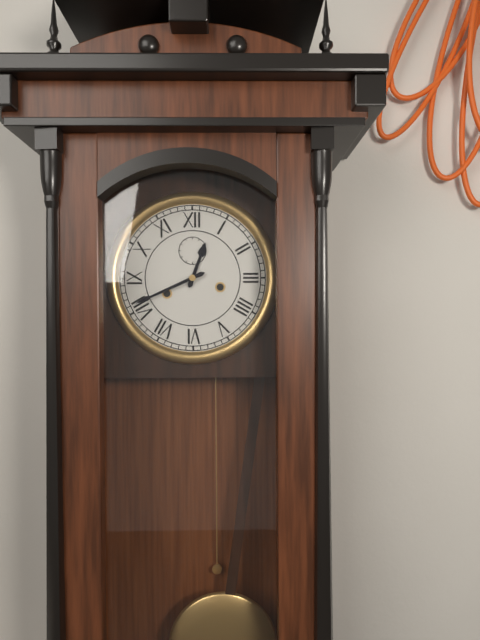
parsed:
12:41
